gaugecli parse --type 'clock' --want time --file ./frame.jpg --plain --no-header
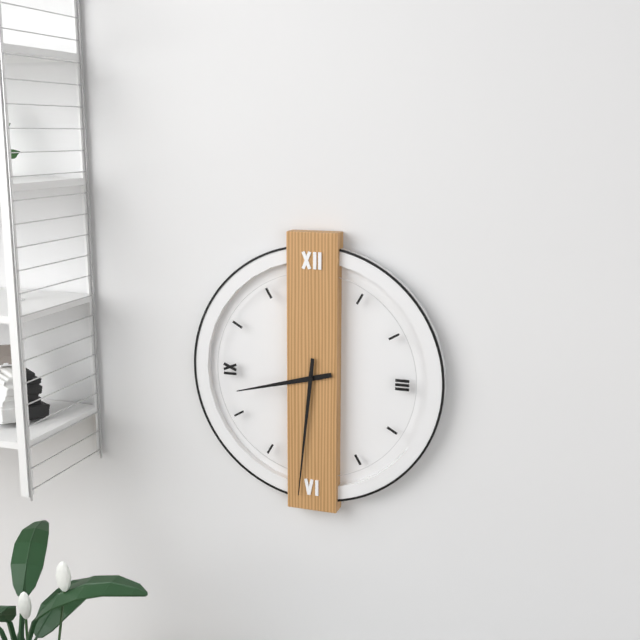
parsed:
8:31
